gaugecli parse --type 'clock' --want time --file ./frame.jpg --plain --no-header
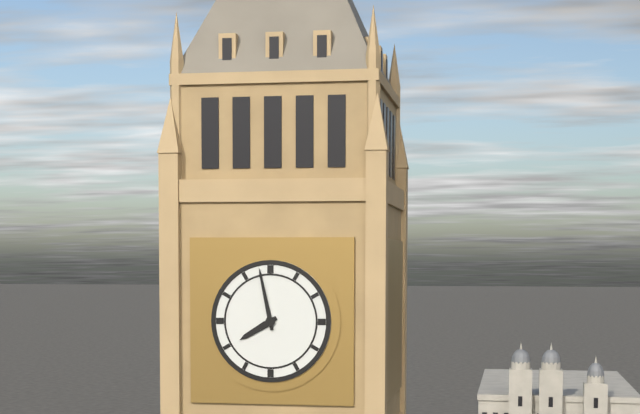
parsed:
7:58
